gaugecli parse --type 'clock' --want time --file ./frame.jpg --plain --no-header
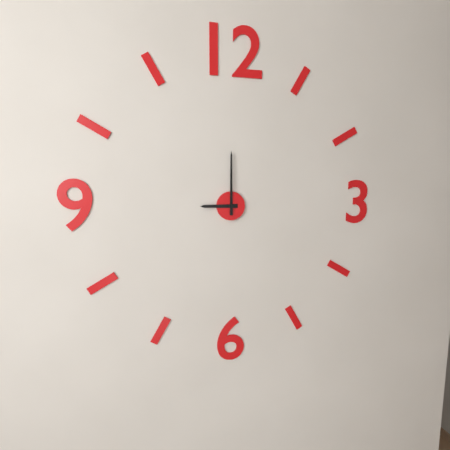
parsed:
9:00
